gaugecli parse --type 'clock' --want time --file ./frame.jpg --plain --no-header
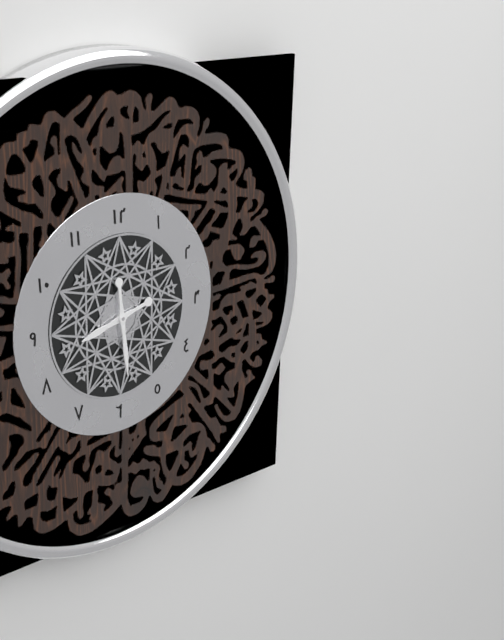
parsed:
8:29
